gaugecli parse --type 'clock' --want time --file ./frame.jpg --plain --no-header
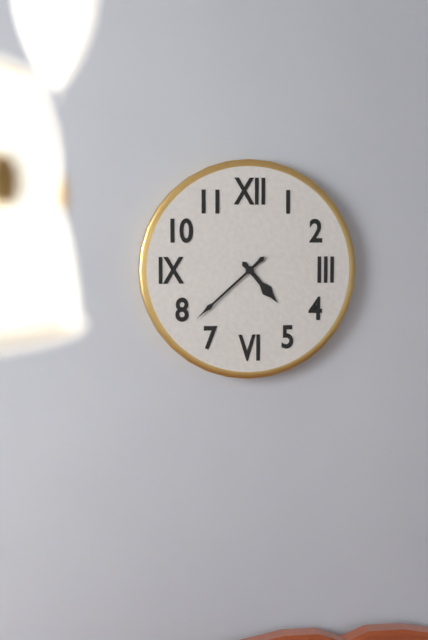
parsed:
4:38
